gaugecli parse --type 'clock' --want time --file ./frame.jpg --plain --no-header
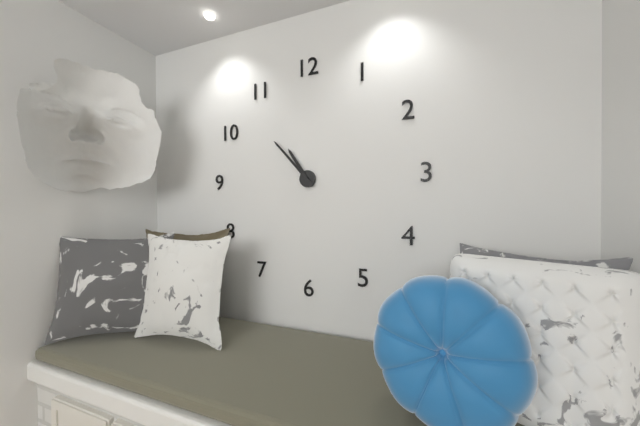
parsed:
10:53
